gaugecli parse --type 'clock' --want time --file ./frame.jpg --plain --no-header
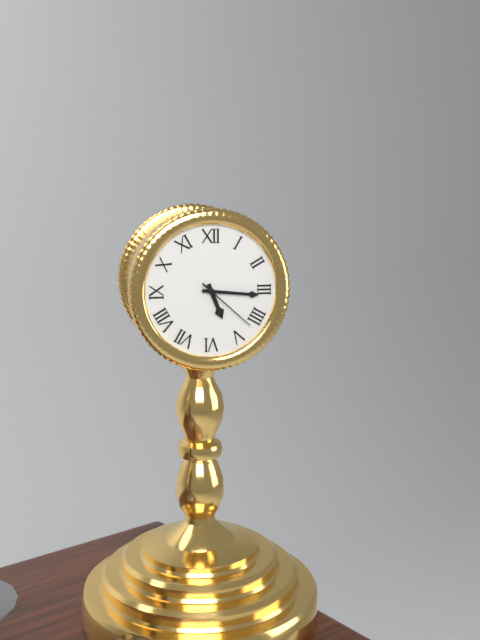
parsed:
5:16:22
